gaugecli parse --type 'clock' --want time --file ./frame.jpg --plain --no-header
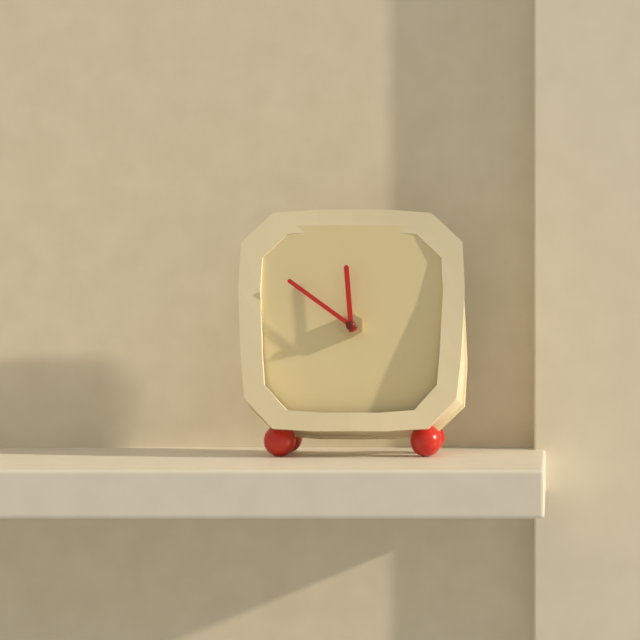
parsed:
11:51
